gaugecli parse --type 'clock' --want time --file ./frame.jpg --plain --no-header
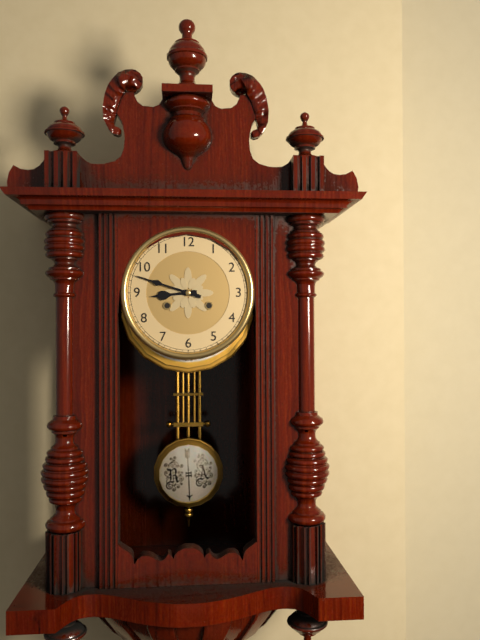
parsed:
8:48
